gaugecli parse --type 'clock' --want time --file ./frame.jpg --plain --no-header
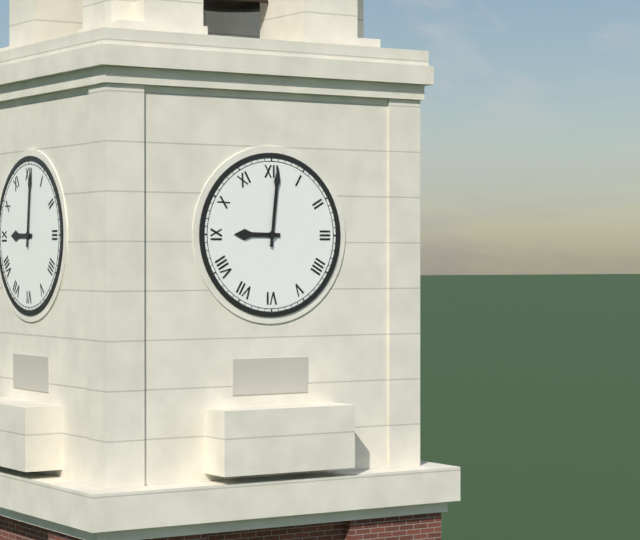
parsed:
9:01
